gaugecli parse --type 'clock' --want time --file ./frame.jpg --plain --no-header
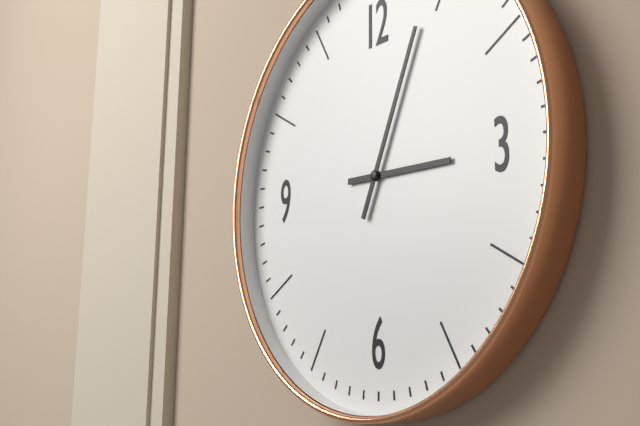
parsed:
3:04
